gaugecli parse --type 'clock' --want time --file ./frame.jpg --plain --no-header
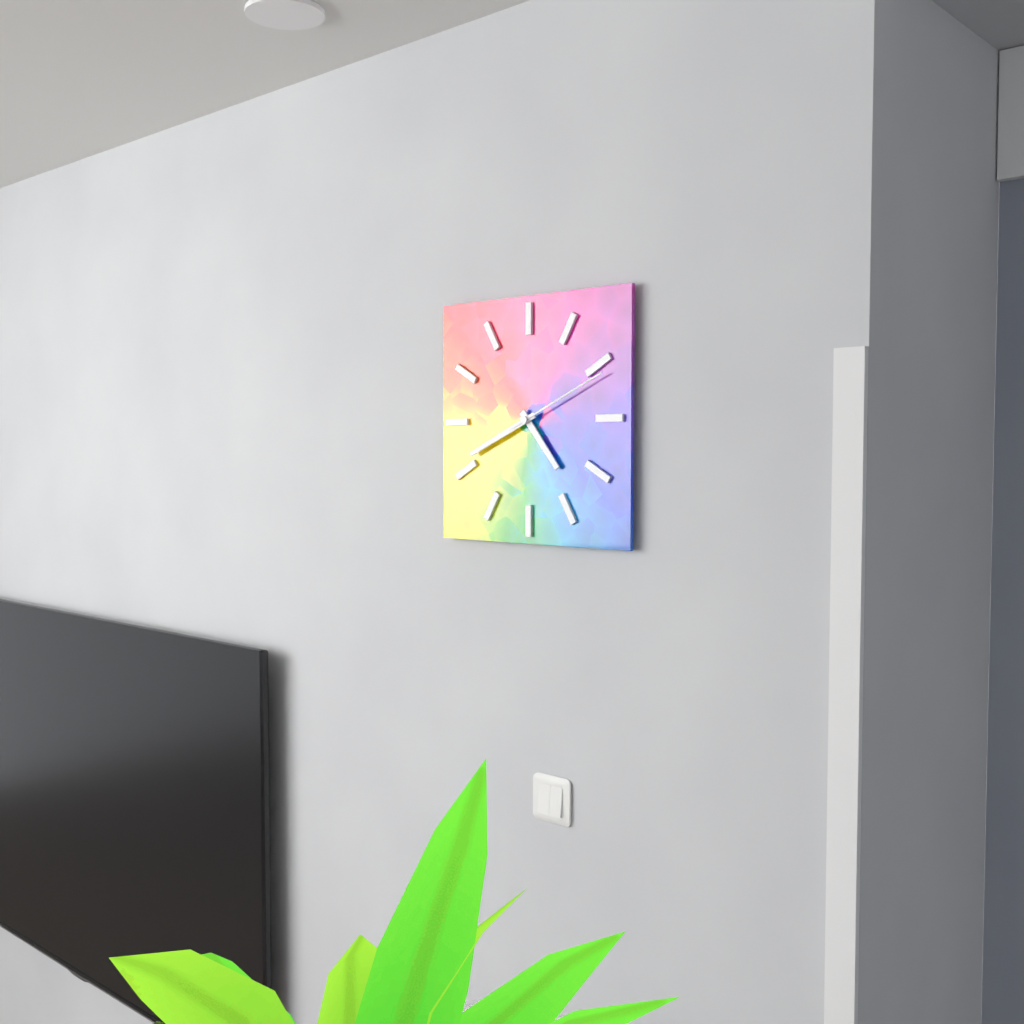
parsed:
4:41:11
